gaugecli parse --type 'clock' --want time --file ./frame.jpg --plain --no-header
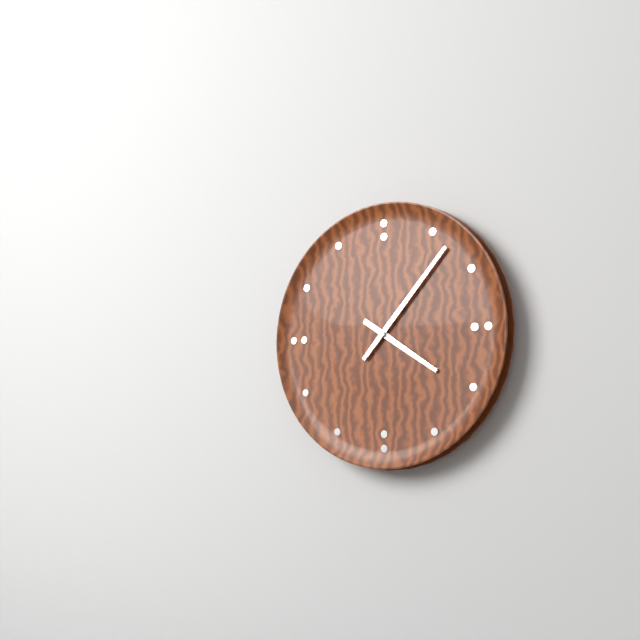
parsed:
4:07
